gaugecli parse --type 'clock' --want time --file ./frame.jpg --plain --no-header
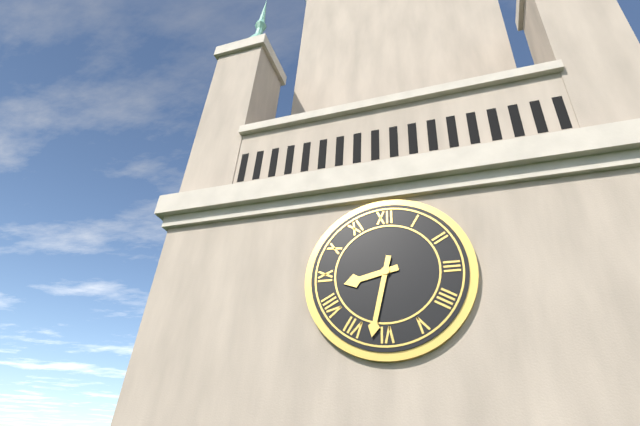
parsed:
8:32
